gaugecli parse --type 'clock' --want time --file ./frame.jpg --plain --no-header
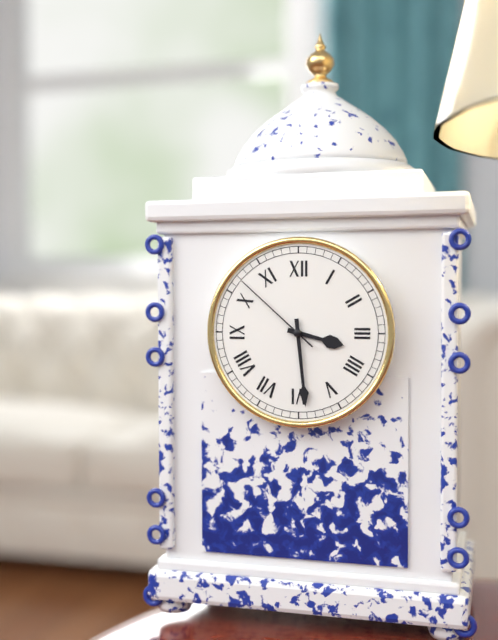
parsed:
3:29:52
